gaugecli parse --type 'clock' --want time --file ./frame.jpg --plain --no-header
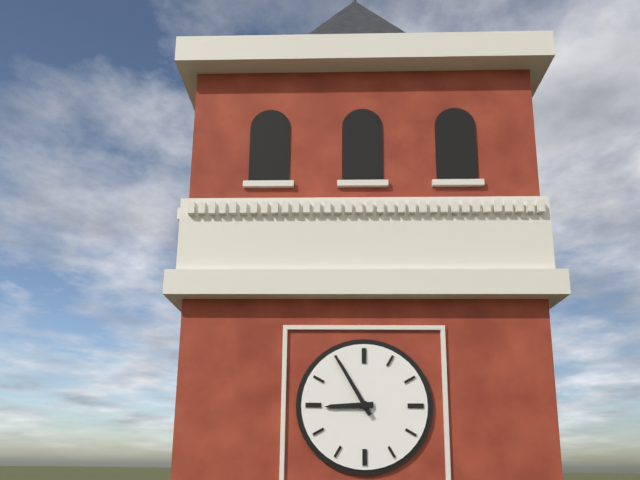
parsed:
8:55
